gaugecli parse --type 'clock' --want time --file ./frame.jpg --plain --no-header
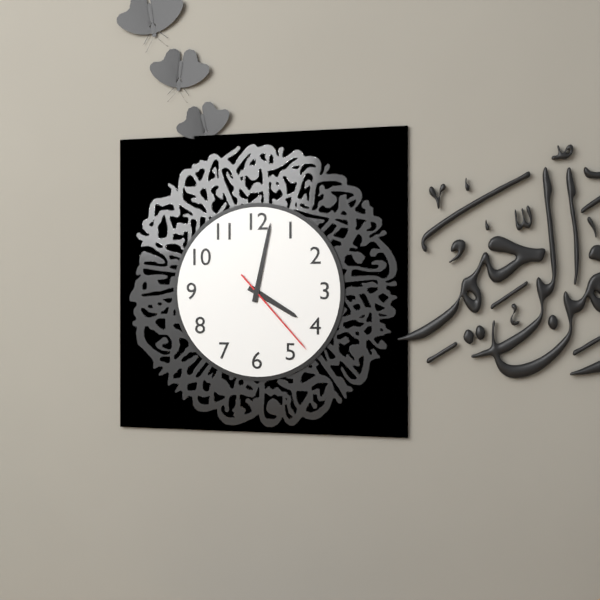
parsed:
4:02:23
